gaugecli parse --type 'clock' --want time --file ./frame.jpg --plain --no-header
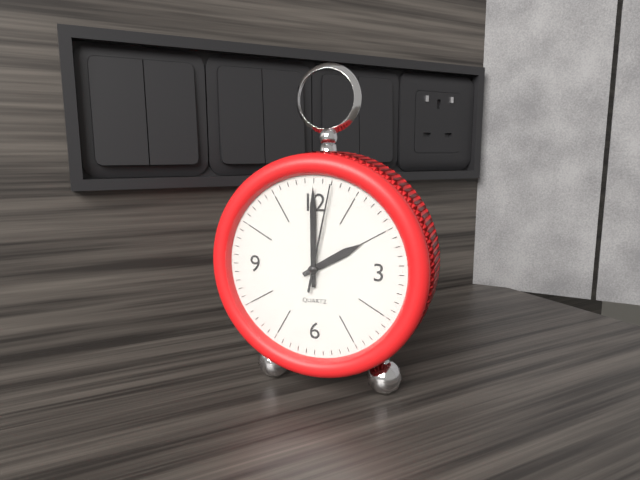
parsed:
2:00:02
